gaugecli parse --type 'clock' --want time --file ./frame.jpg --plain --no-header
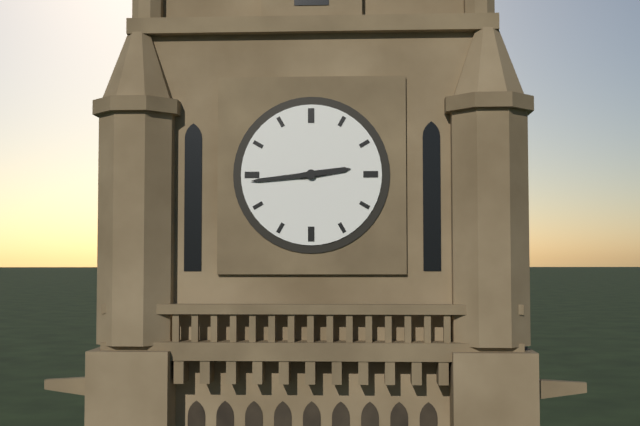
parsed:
2:44
